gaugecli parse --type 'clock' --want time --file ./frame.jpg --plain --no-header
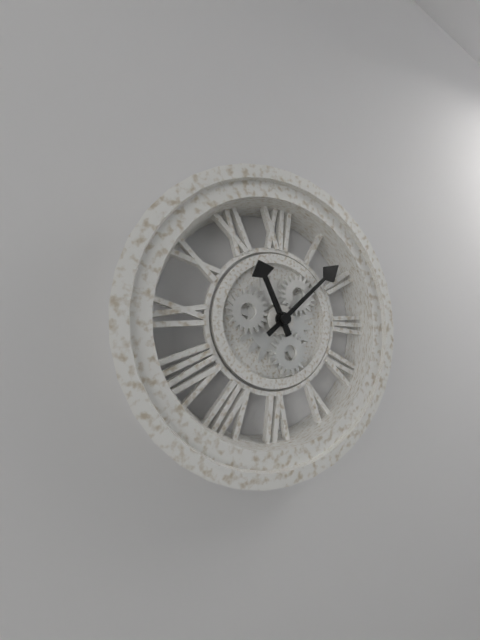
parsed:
11:08
